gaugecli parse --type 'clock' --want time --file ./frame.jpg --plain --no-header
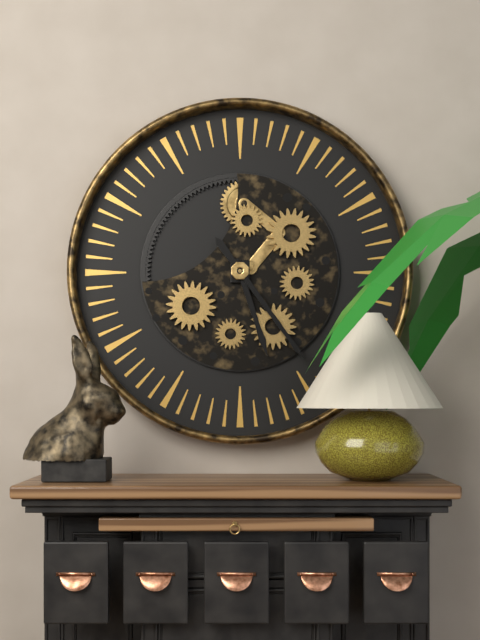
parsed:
5:24
